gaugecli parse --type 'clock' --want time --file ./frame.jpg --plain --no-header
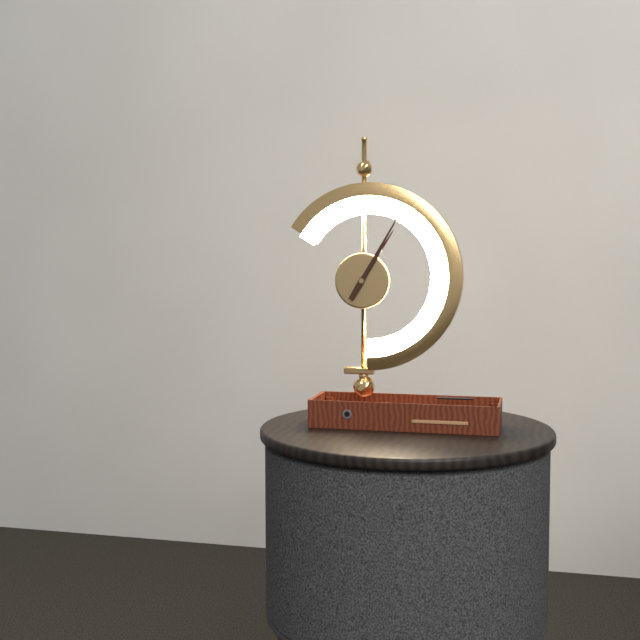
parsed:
1:05
